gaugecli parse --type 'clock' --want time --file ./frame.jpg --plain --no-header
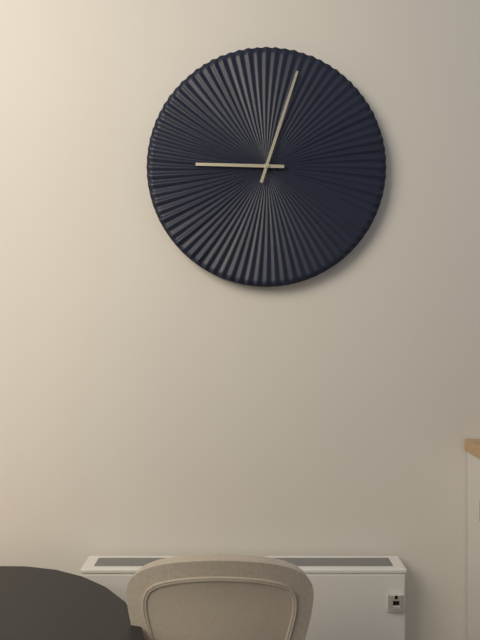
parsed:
9:03
